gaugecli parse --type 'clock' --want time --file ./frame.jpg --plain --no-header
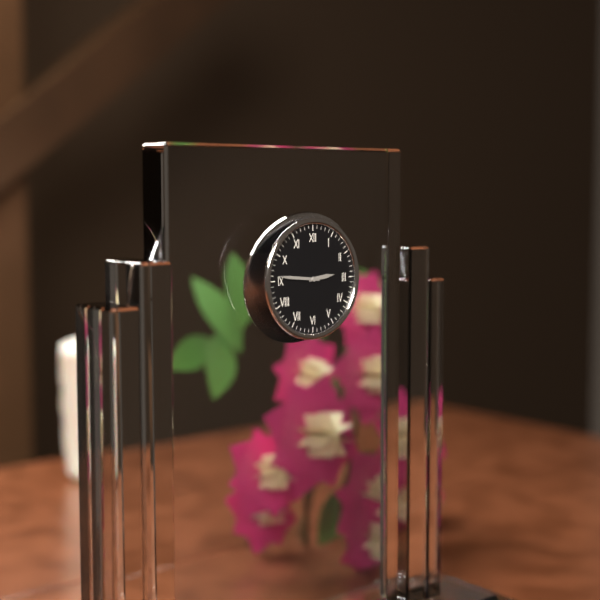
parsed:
2:46
